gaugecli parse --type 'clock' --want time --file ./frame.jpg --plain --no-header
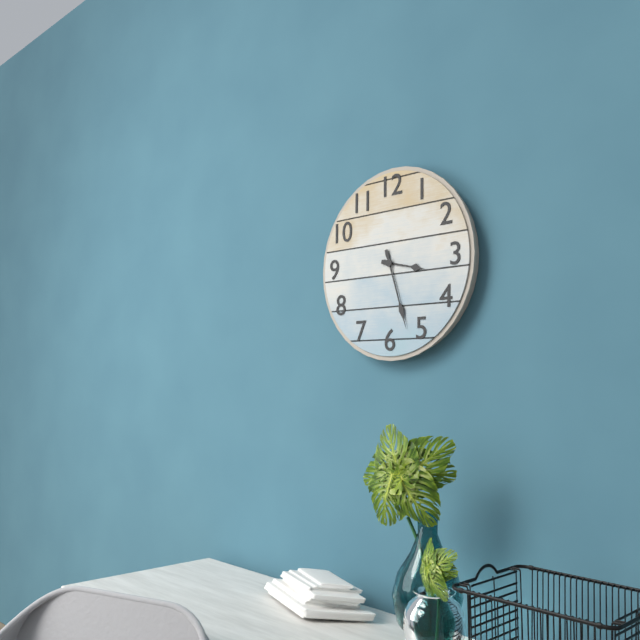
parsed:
3:27
